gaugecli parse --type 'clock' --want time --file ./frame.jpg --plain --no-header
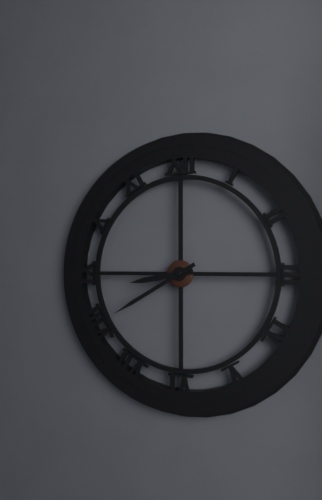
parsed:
8:40
